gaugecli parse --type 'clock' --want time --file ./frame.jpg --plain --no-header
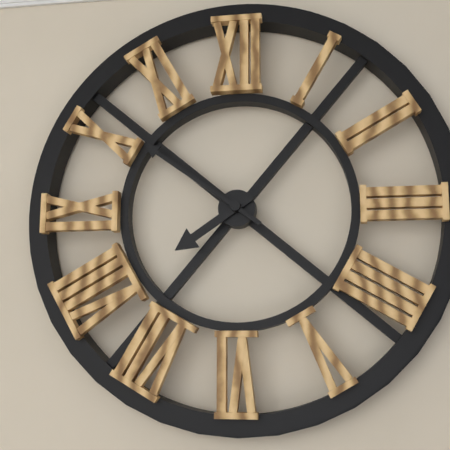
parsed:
7:51
